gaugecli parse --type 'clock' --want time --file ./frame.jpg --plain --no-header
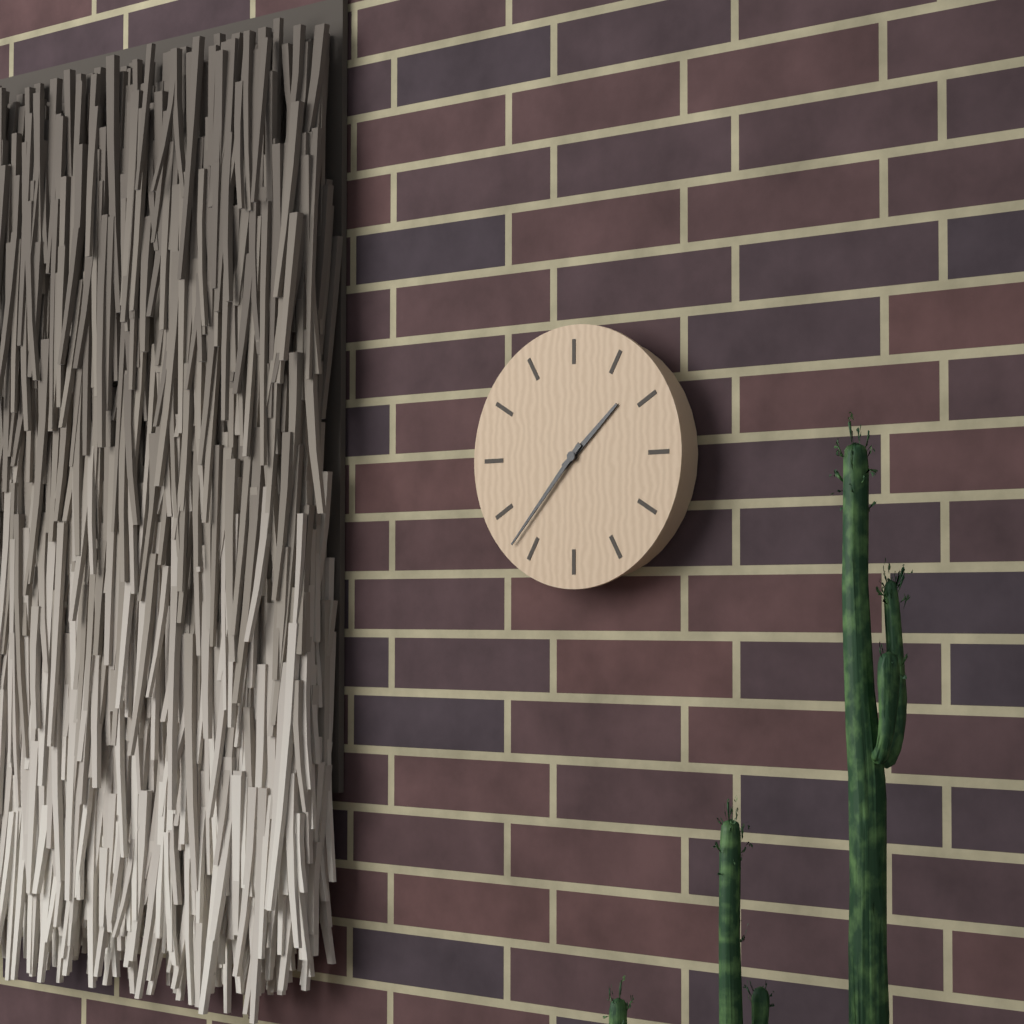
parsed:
1:37
